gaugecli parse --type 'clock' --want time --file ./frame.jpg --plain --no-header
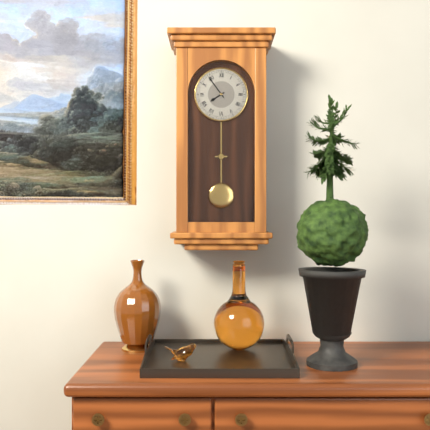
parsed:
7:54
